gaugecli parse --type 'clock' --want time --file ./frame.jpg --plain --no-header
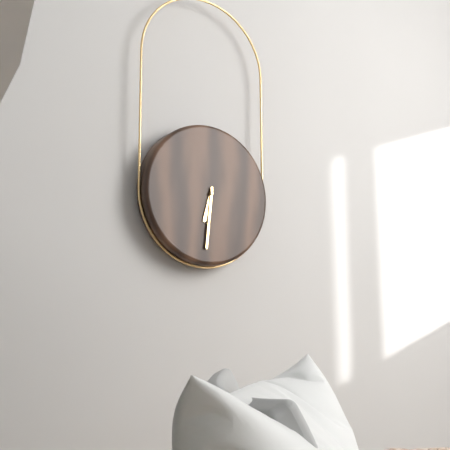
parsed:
6:31
